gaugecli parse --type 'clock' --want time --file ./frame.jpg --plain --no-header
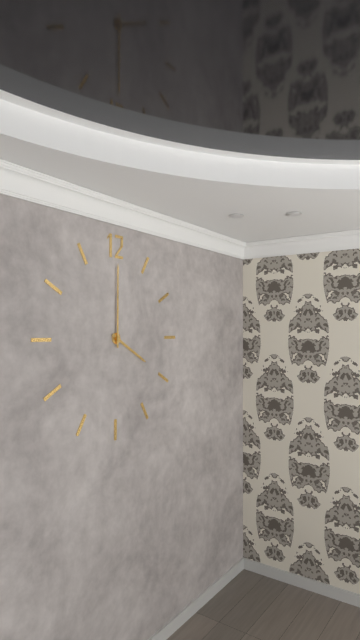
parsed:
4:00
